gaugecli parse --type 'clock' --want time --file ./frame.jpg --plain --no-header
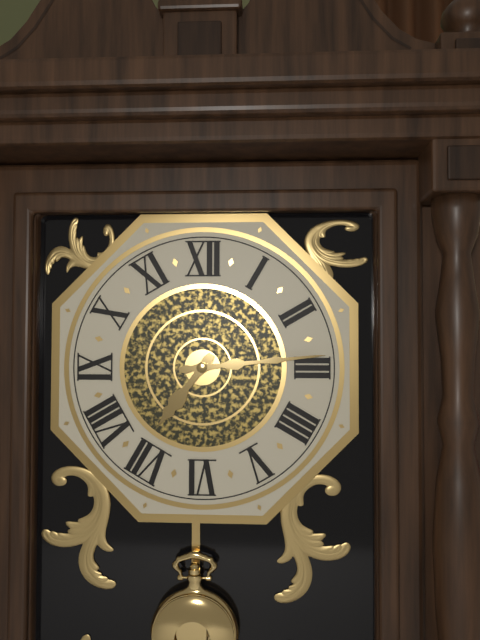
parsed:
7:14
